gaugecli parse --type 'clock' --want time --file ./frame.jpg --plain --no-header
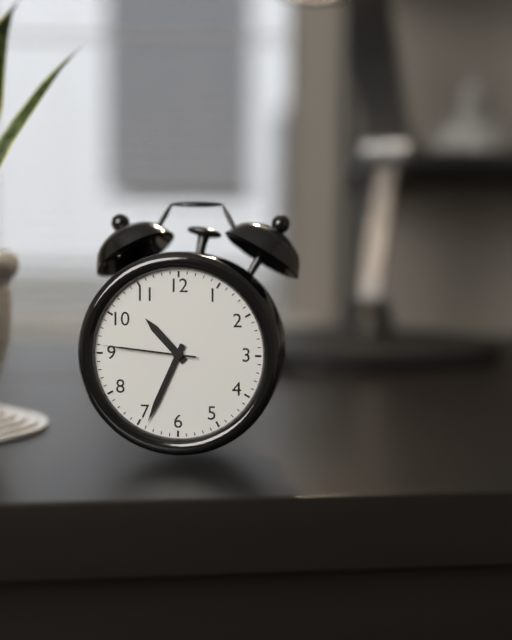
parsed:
10:34:46
